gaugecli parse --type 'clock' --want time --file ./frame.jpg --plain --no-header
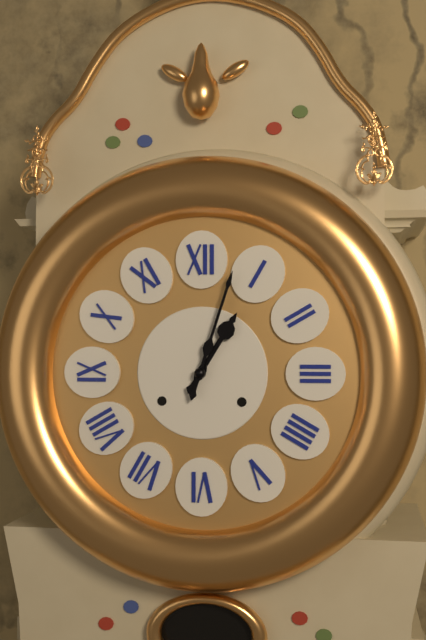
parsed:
1:03
